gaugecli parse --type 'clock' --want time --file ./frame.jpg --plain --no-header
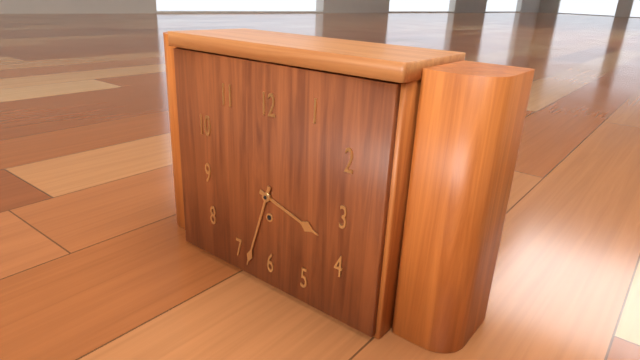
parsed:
3:33
